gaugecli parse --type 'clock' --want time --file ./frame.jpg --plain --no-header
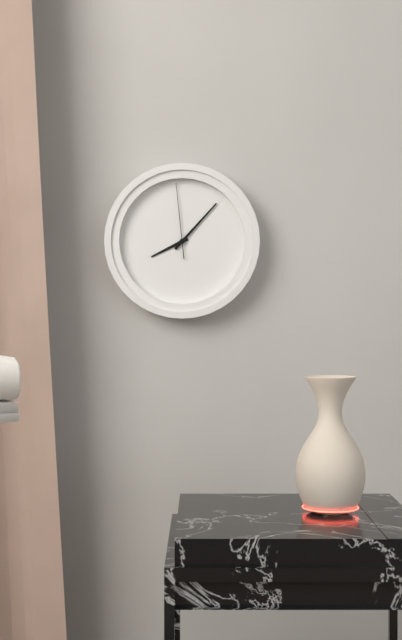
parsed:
8:07:59
